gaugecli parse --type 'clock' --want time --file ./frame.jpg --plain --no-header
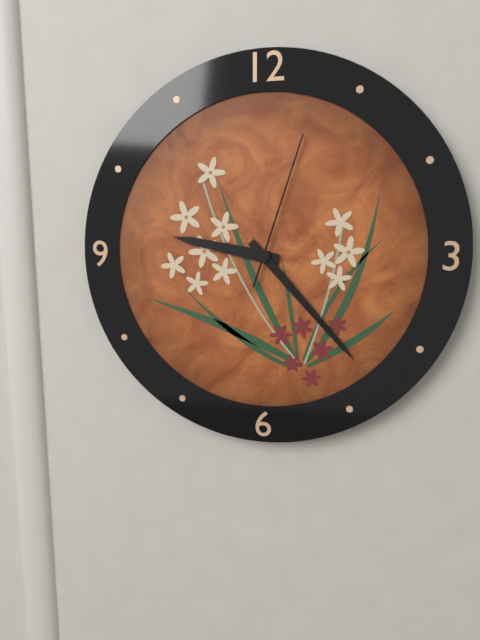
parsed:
9:23:03
